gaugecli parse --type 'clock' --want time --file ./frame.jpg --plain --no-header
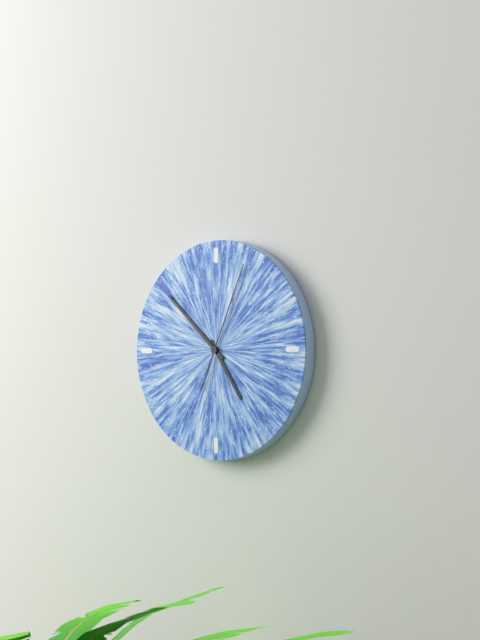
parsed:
4:52:04
